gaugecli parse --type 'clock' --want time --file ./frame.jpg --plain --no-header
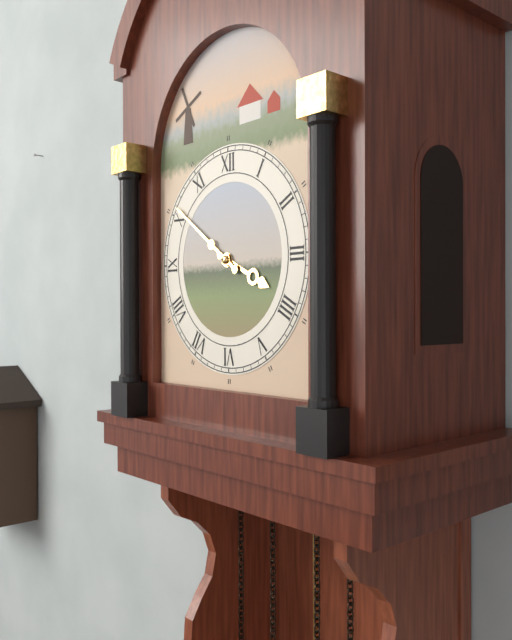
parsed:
3:51
